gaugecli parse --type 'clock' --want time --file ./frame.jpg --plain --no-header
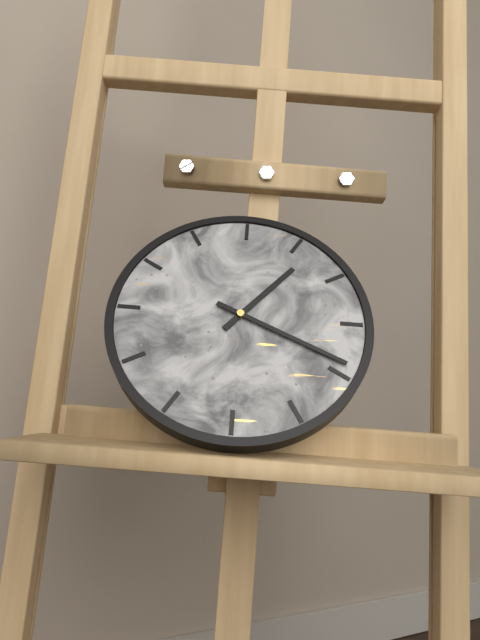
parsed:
1:19
